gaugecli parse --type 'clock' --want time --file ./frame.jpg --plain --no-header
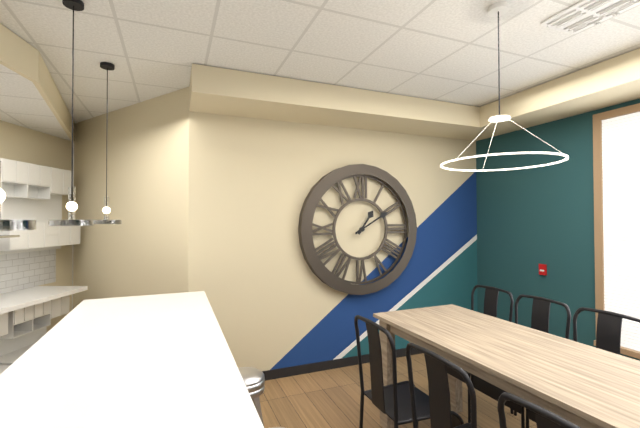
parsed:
1:10
